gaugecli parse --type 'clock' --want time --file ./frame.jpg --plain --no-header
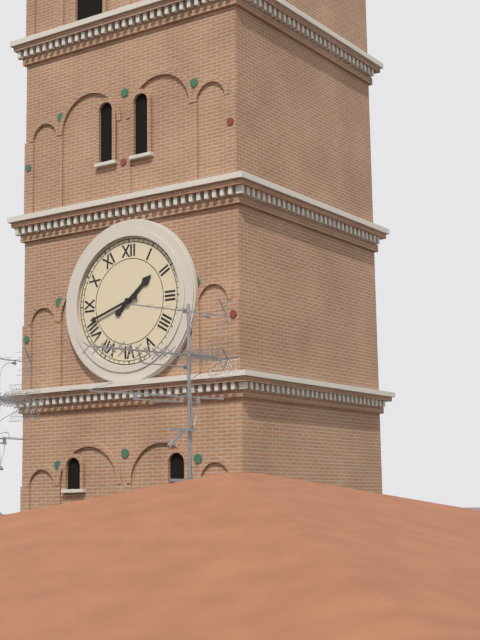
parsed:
1:42
